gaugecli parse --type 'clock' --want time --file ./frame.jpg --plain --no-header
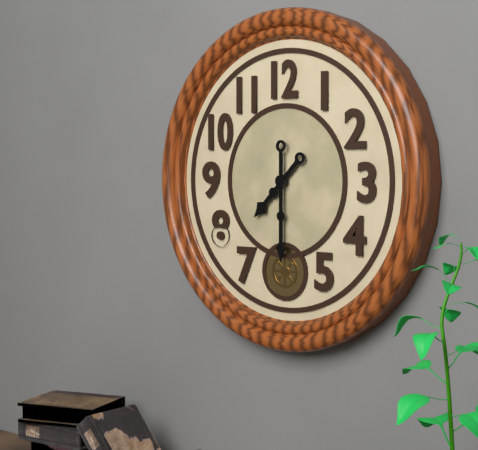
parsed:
7:30
